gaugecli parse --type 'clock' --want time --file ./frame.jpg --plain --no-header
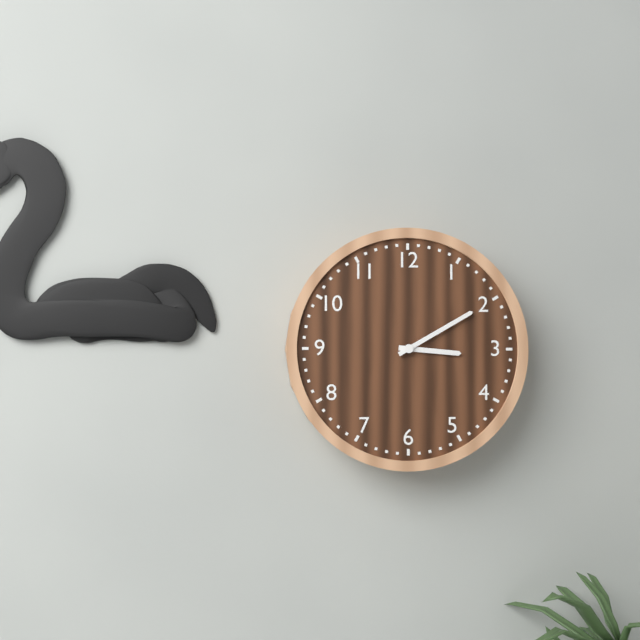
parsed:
3:10
